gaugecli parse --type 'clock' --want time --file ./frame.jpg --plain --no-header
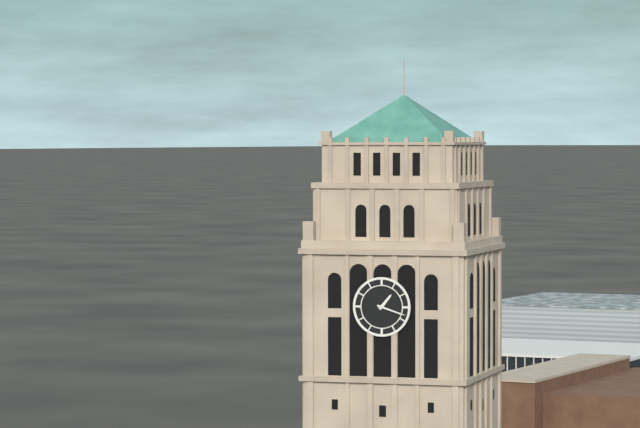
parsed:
1:18
